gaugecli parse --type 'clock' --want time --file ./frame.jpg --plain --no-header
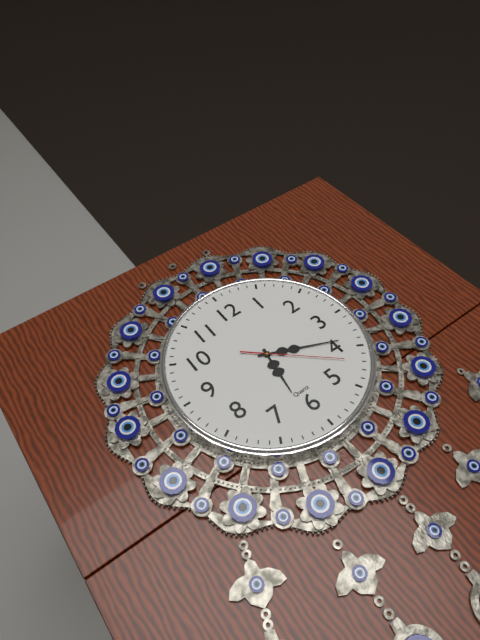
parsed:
6:19:22
